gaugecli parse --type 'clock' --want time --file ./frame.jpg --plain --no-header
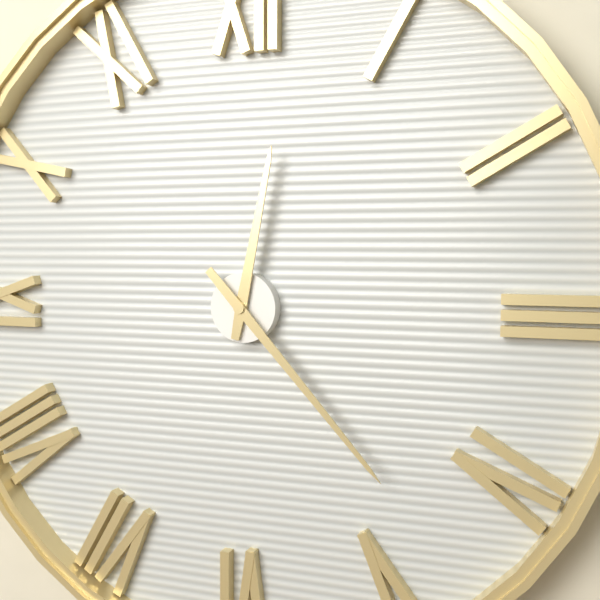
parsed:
12:23
